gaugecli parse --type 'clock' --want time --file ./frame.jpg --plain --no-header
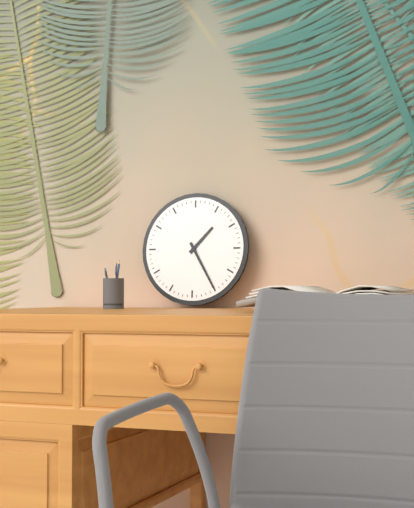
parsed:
1:25
